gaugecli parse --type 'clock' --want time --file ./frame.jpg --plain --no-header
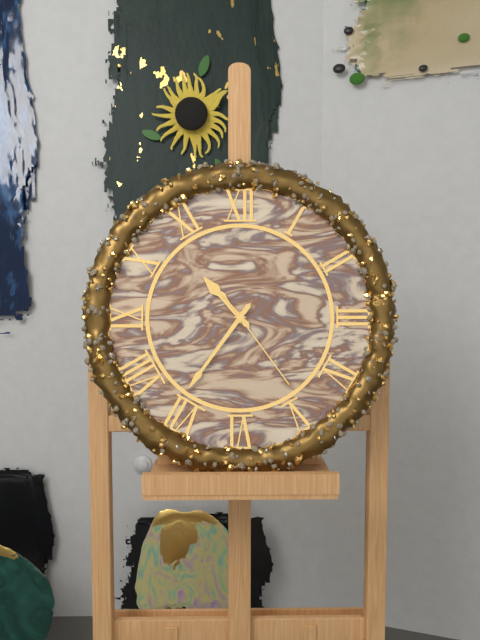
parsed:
10:36:24
